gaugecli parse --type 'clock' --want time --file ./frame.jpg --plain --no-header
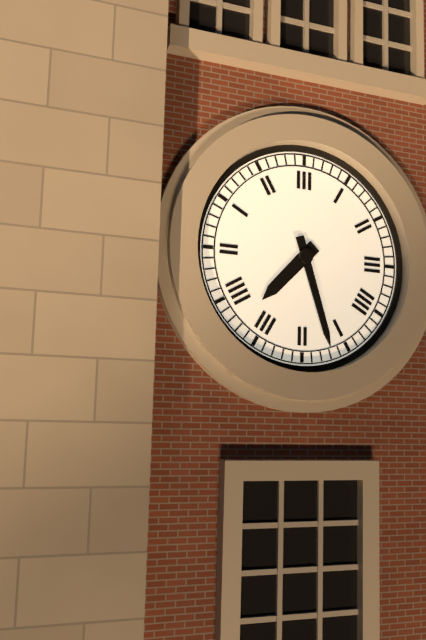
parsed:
7:27
